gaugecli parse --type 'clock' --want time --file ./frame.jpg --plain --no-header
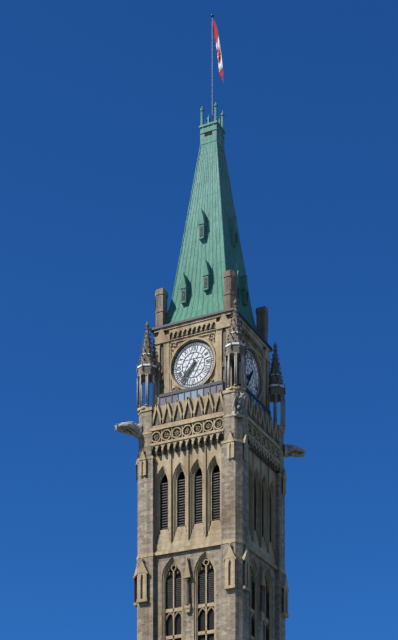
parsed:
7:36
